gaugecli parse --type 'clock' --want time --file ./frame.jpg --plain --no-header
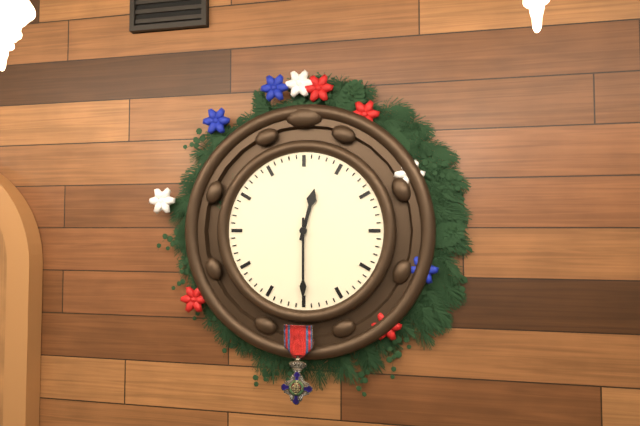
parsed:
12:30
